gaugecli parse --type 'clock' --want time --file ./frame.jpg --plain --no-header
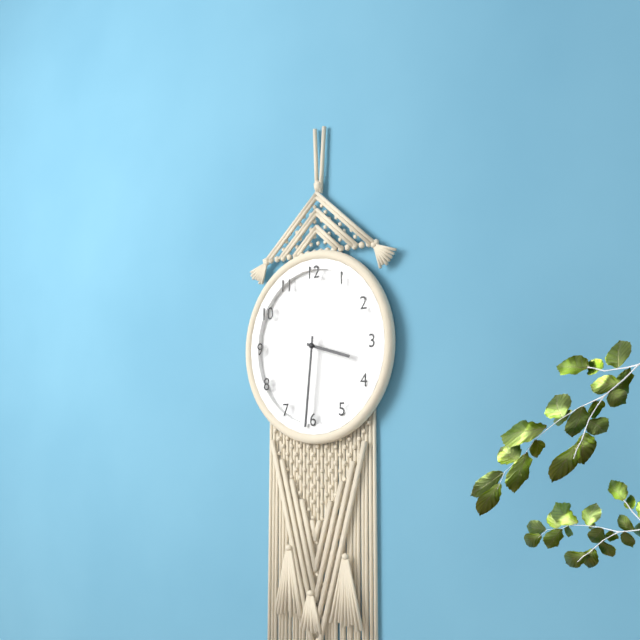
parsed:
3:31
